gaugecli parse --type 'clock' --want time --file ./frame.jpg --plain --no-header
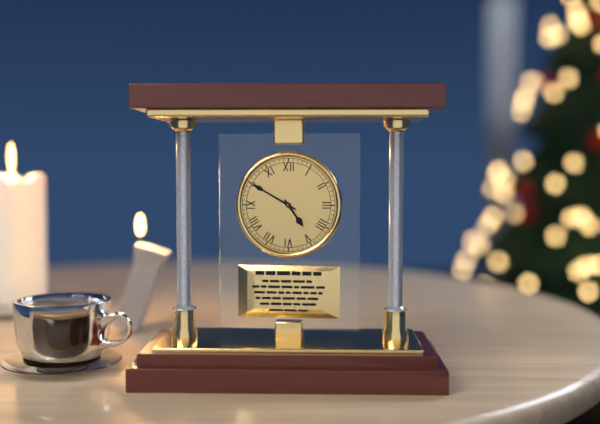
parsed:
4:50
